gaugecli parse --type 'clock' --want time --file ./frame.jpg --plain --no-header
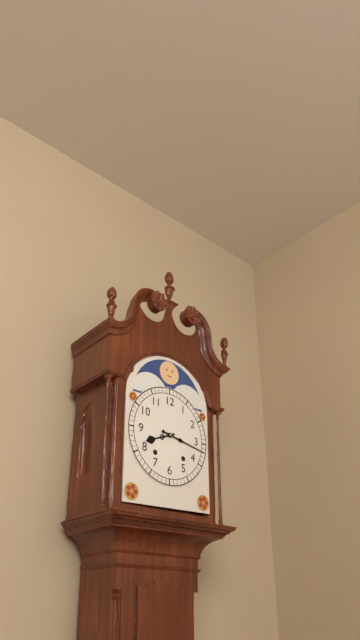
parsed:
8:17
